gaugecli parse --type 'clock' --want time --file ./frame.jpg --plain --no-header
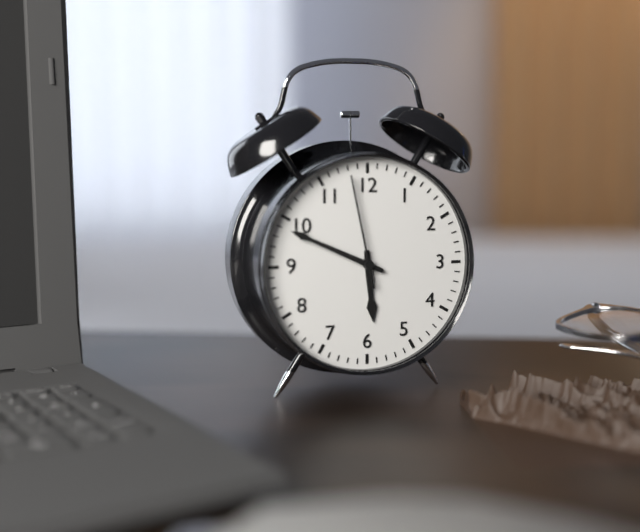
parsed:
5:49:58
